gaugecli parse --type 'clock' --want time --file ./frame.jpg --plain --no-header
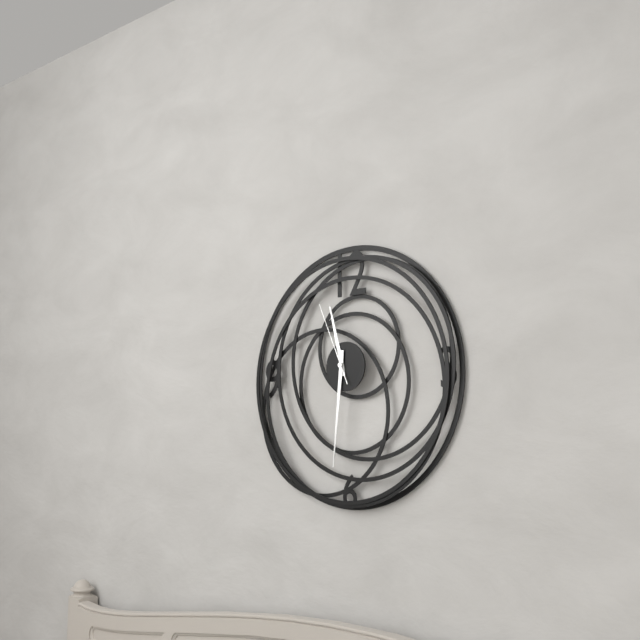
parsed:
11:31:56
